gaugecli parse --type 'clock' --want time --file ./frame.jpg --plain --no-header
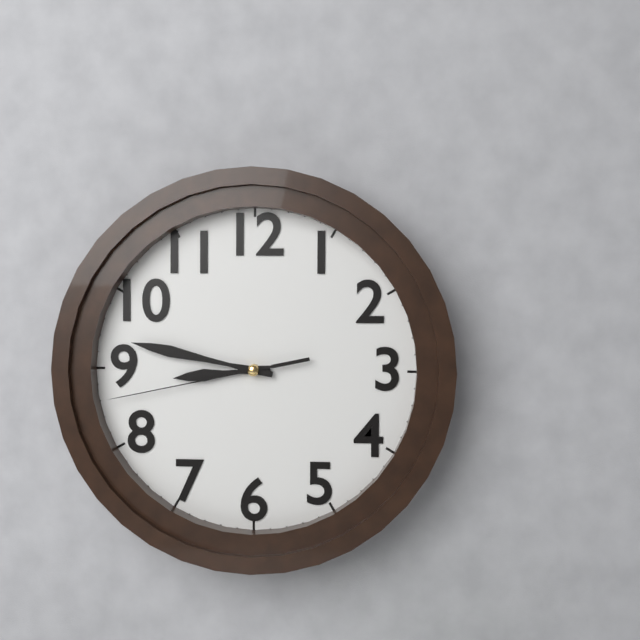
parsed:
8:47:43
